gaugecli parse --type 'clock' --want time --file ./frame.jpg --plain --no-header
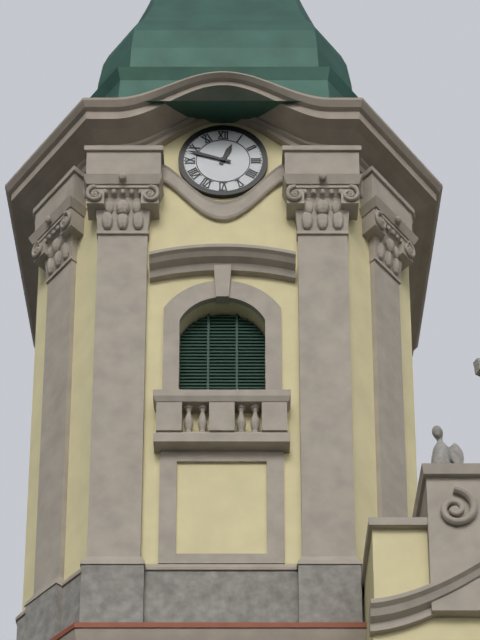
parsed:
12:48
